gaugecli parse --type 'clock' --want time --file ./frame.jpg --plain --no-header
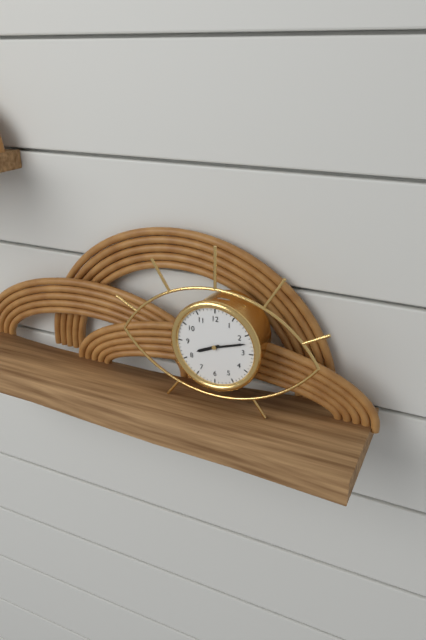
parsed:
8:12
